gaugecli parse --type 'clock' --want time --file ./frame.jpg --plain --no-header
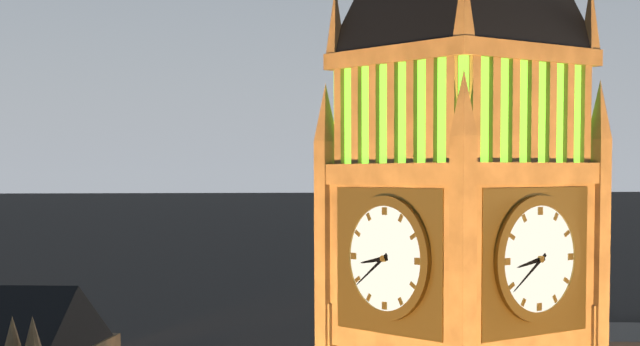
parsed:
8:39
